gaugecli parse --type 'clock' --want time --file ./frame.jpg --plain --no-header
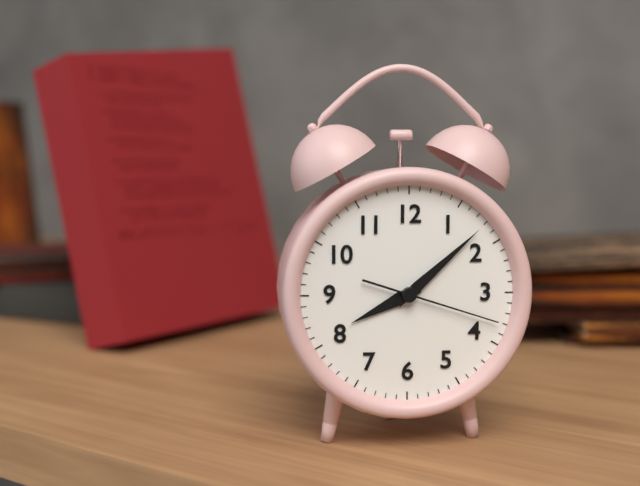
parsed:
8:08:18
